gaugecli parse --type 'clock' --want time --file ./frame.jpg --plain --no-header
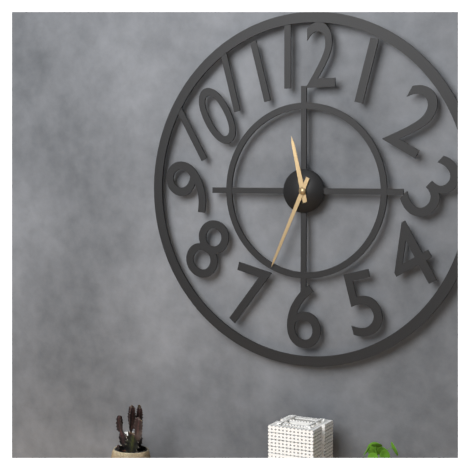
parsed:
11:34
